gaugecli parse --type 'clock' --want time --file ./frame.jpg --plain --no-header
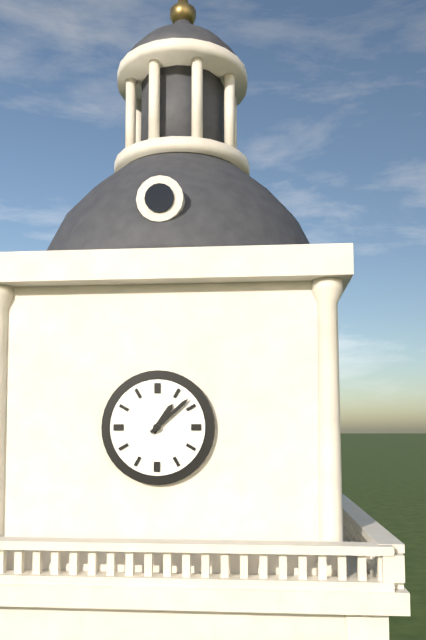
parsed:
1:08
